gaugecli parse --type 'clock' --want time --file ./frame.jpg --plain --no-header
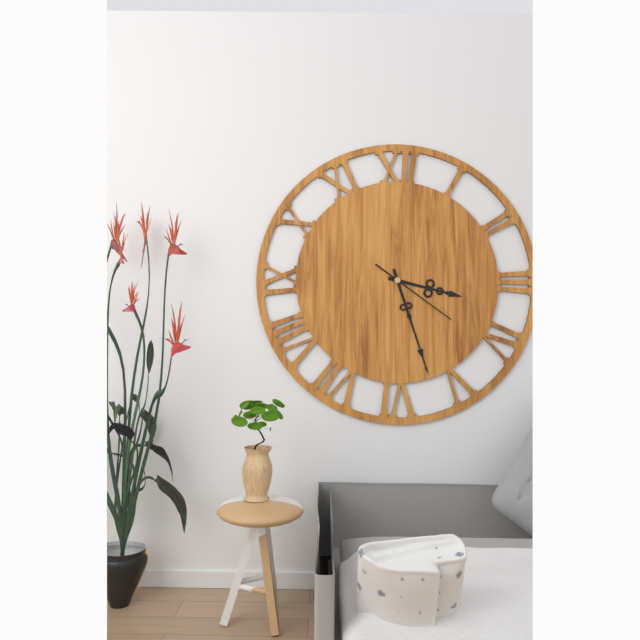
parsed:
3:27:21
